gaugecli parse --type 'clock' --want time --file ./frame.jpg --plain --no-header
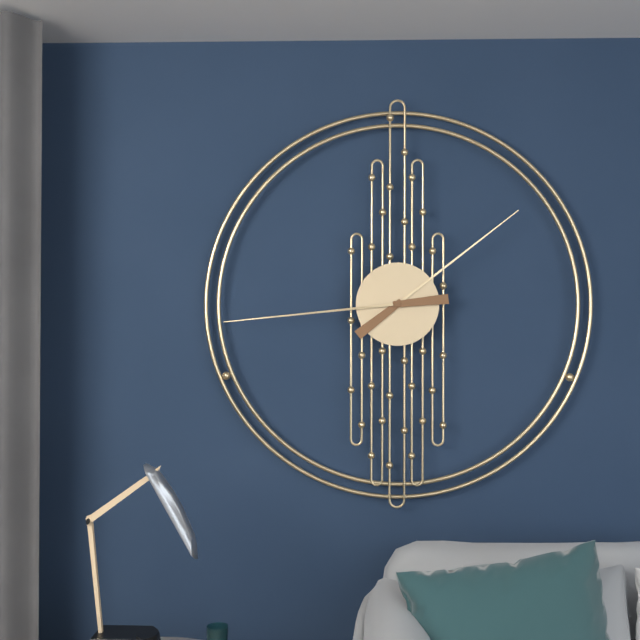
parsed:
1:44
